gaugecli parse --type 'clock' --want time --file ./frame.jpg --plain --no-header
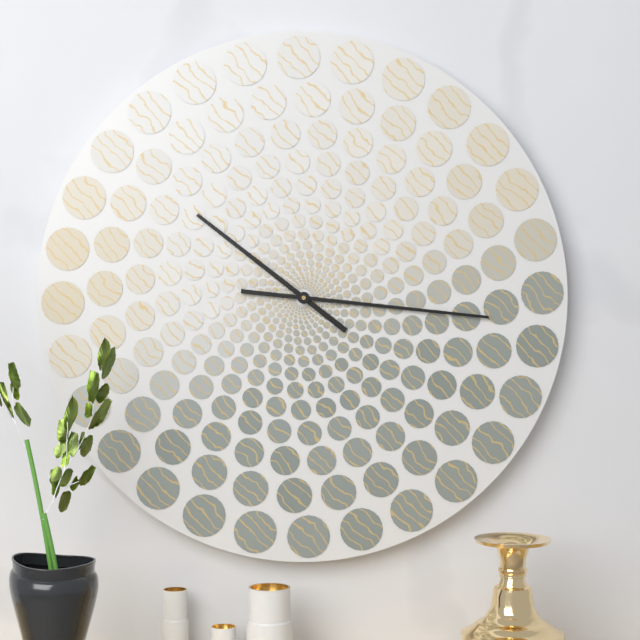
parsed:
10:16
